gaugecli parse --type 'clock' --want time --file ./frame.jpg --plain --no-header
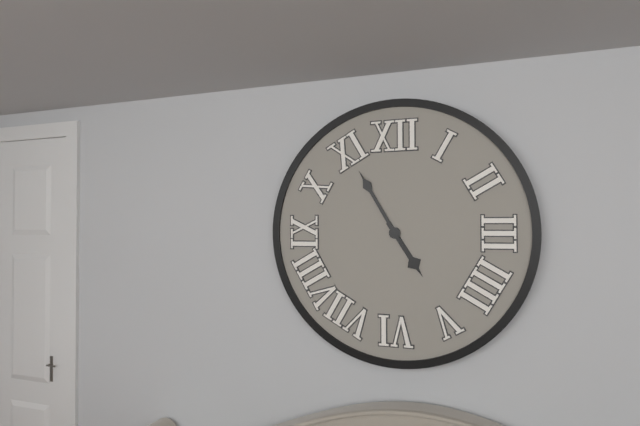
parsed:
4:55
